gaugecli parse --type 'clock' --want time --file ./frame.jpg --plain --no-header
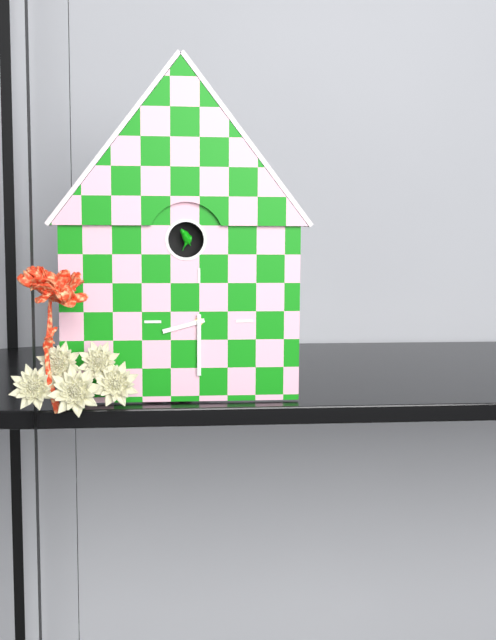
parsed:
8:30
